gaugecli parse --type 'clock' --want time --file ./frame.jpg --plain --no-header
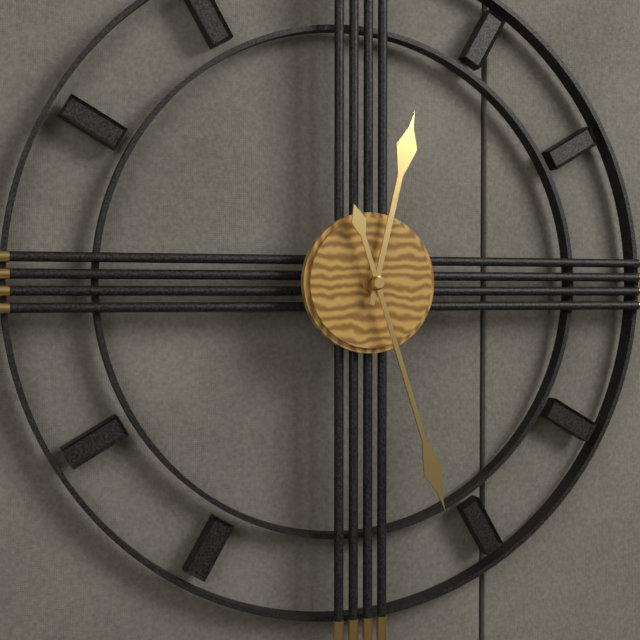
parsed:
12:27
